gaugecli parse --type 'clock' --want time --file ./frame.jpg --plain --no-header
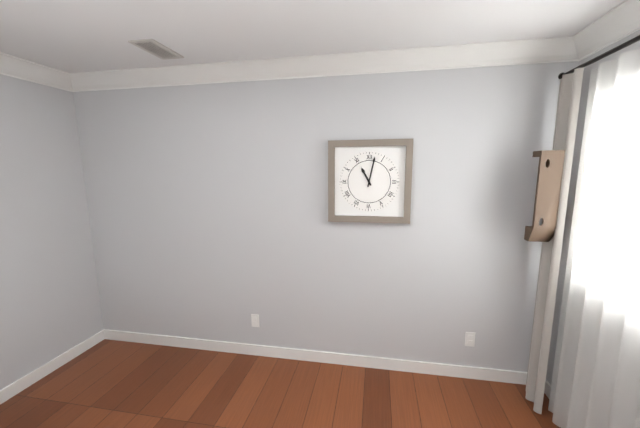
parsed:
11:02
